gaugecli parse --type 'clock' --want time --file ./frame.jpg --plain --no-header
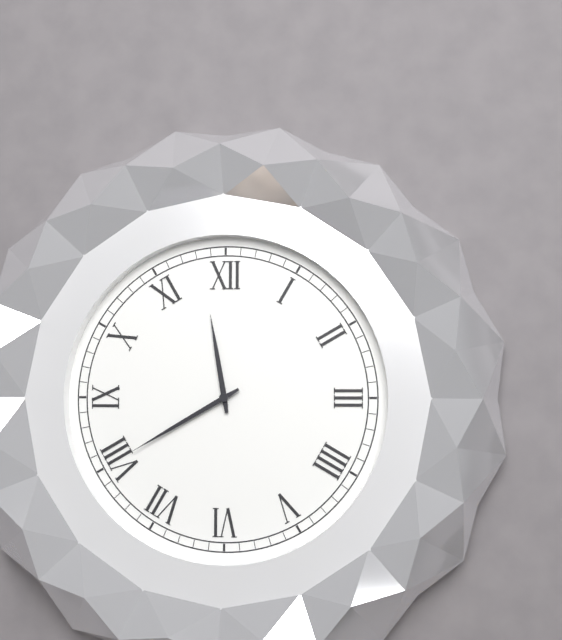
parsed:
11:40
